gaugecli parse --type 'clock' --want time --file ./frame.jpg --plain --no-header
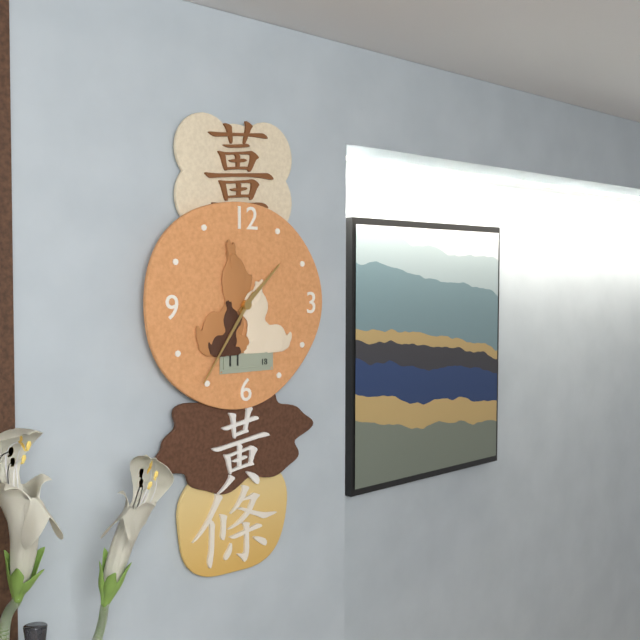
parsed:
1:36
